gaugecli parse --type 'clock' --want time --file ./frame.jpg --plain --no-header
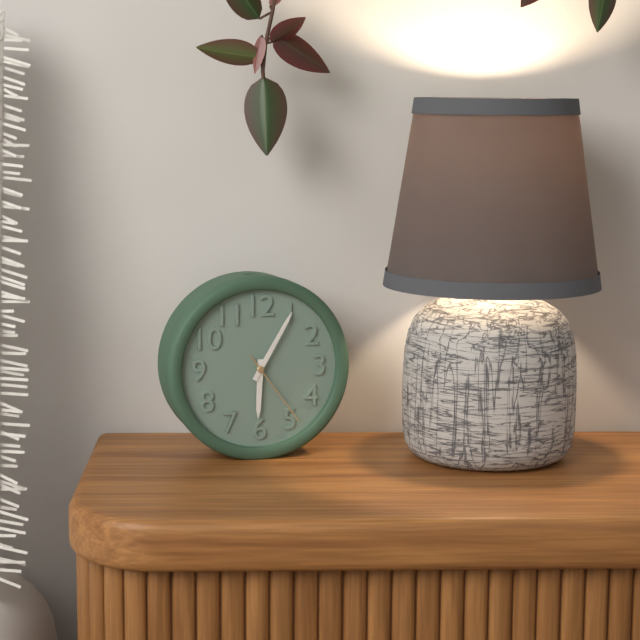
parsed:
6:05:24
